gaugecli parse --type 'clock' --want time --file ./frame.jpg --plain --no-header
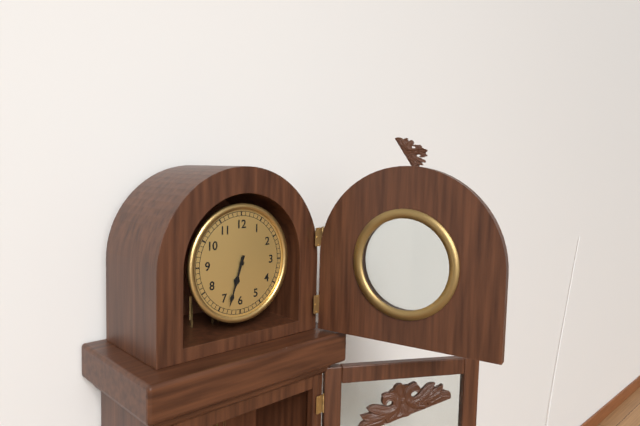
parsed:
6:33
